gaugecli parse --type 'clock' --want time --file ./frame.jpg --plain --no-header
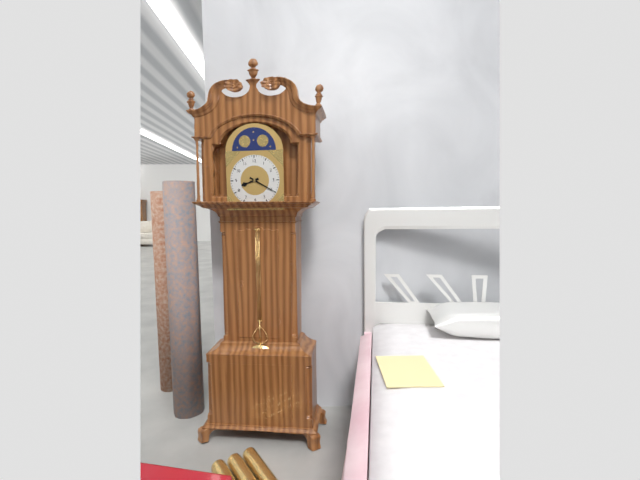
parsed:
8:20
